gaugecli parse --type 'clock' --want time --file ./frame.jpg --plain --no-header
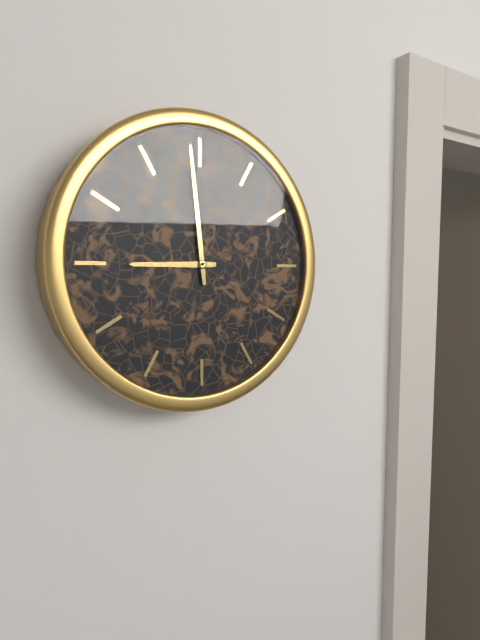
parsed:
8:59
